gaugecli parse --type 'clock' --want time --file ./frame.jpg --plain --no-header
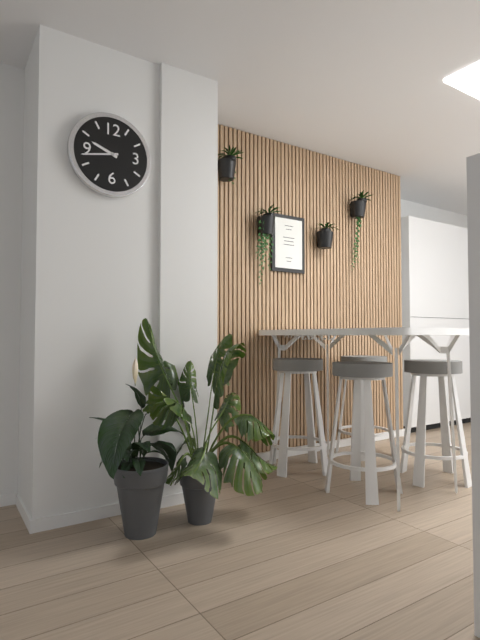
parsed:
9:43
